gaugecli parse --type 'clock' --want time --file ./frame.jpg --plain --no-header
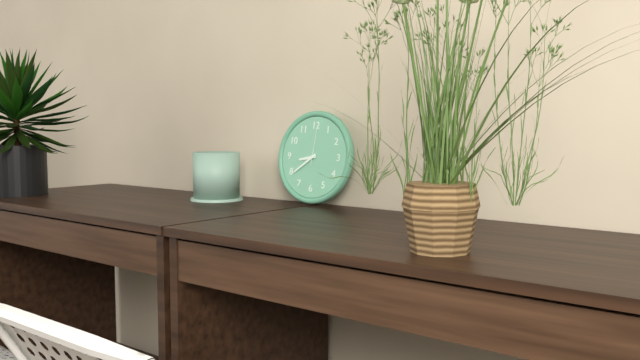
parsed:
8:39
